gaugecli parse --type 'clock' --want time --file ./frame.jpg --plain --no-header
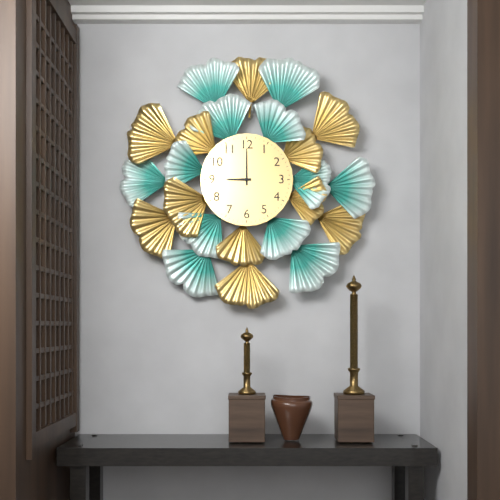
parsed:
9:00
